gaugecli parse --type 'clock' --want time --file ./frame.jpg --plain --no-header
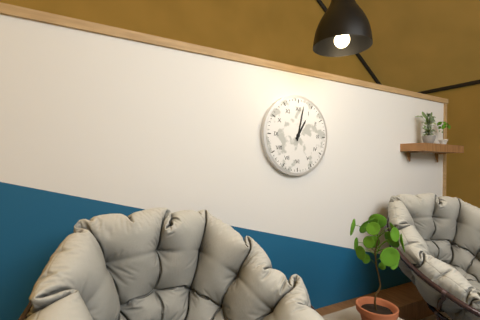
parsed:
1:02
